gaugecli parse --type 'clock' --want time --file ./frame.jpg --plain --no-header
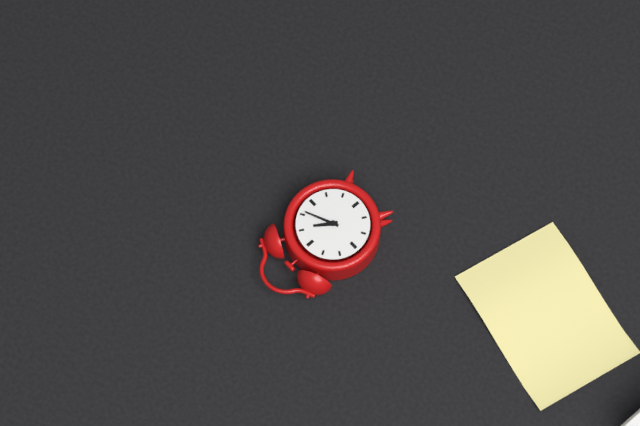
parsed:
1:11
